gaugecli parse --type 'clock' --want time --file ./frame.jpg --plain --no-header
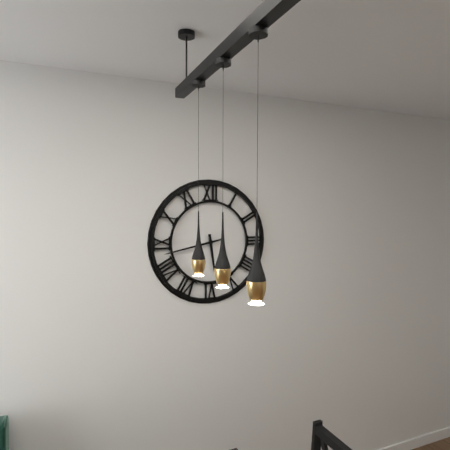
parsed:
5:43
